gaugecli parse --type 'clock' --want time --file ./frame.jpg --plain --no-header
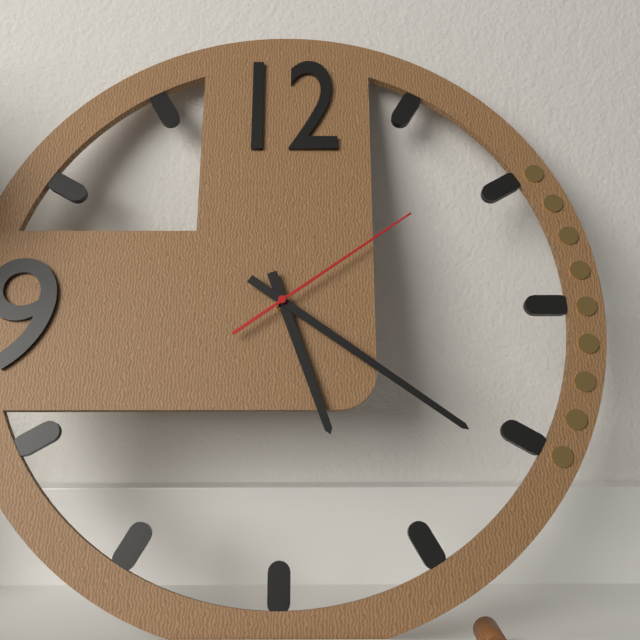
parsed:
5:21:09
